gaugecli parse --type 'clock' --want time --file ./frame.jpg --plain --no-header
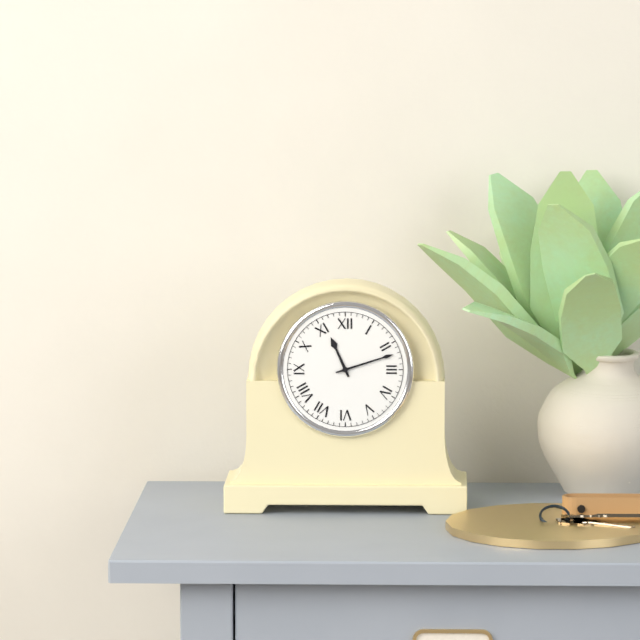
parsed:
11:12
